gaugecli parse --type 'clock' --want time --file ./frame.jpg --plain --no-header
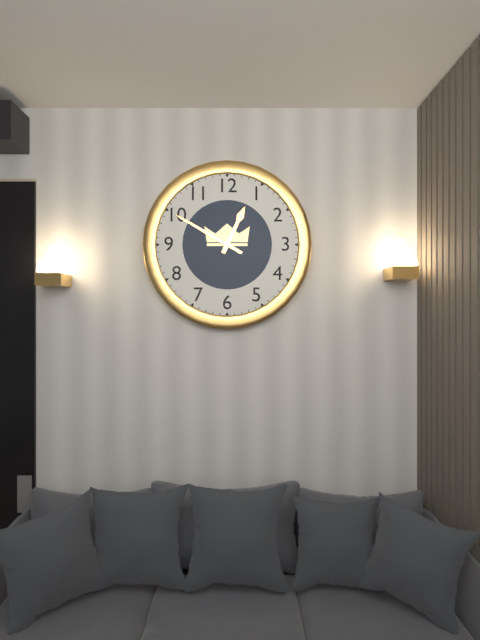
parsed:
12:50
